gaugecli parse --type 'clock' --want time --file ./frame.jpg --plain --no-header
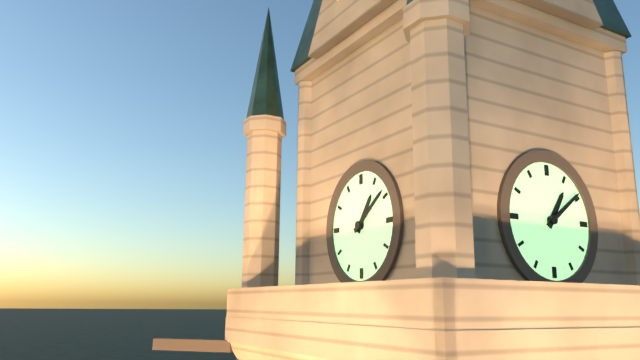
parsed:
1:09
